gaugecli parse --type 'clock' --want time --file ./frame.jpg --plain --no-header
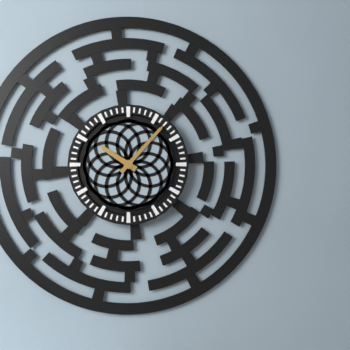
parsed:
10:07
